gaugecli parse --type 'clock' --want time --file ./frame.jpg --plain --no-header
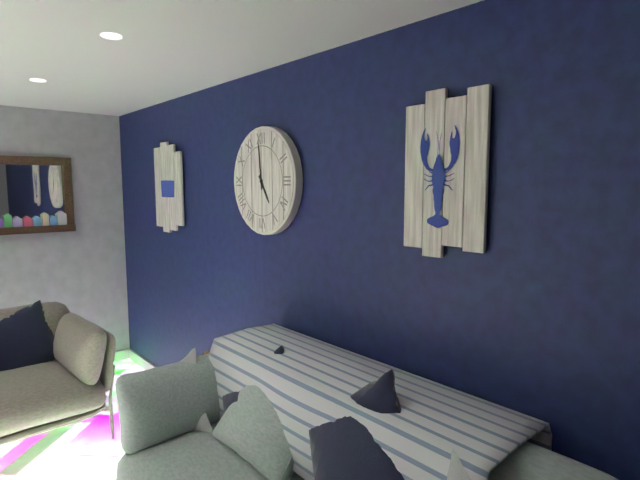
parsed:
4:59
